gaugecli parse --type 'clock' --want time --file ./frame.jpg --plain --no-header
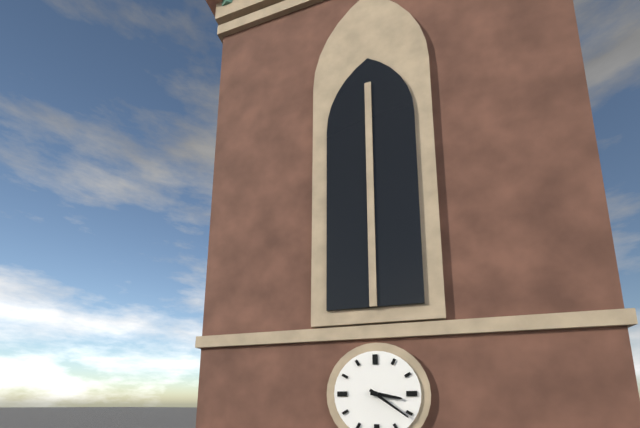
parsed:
3:21
